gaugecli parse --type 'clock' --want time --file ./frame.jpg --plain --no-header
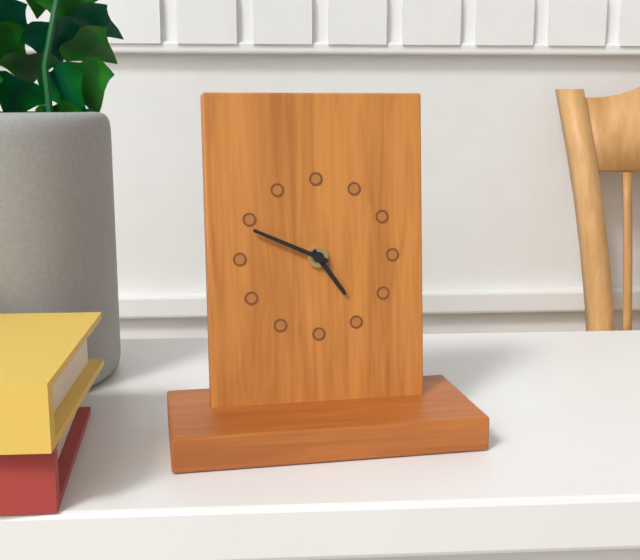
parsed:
4:49
